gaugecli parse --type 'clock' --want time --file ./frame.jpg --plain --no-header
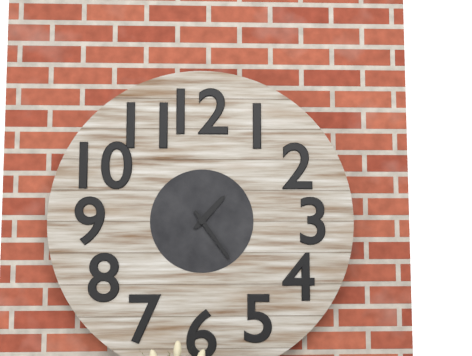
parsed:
1:24
